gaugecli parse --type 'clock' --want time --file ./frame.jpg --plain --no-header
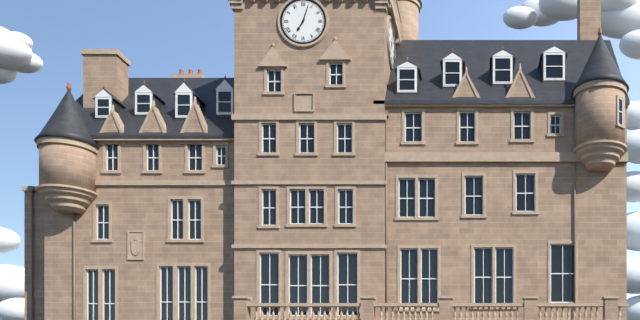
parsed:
7:03
